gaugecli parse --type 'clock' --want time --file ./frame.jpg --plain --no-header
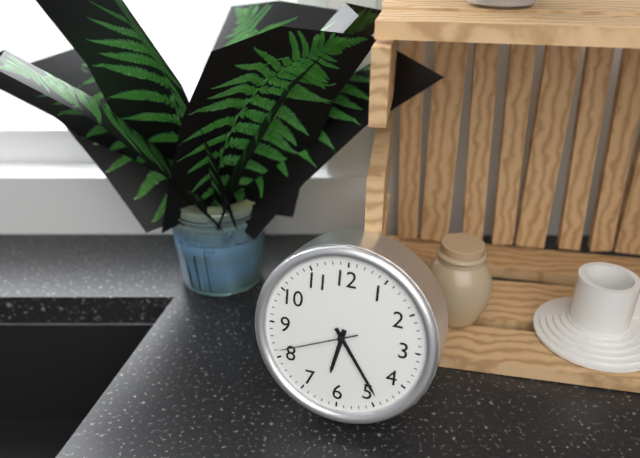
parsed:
6:24:41
